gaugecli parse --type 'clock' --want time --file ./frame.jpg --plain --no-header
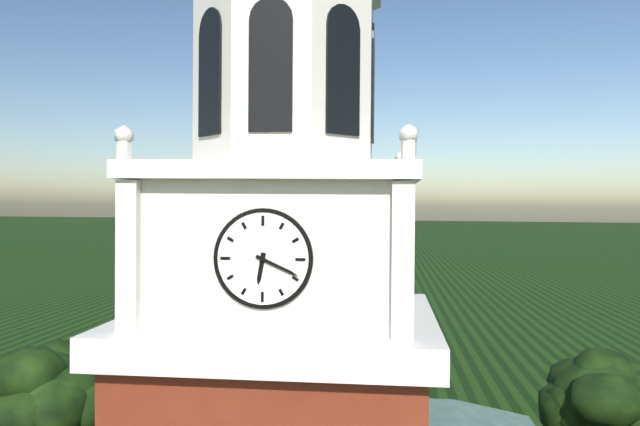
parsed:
6:19
